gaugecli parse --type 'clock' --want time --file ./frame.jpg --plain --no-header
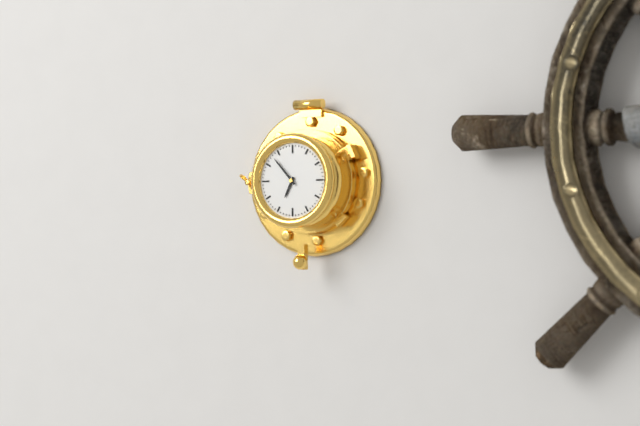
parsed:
6:53
